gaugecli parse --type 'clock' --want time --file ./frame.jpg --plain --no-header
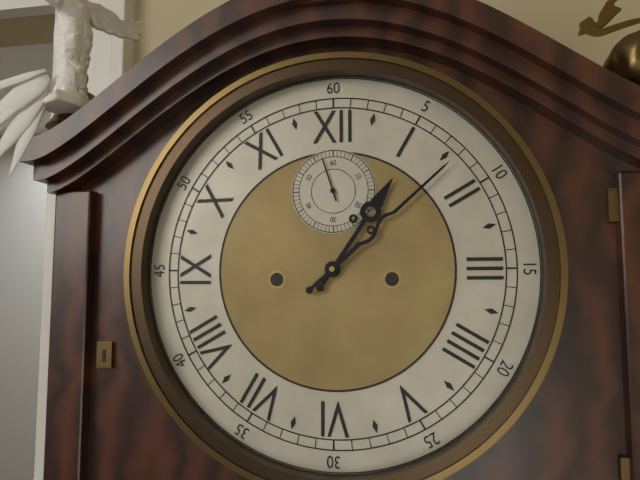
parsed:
1:08
